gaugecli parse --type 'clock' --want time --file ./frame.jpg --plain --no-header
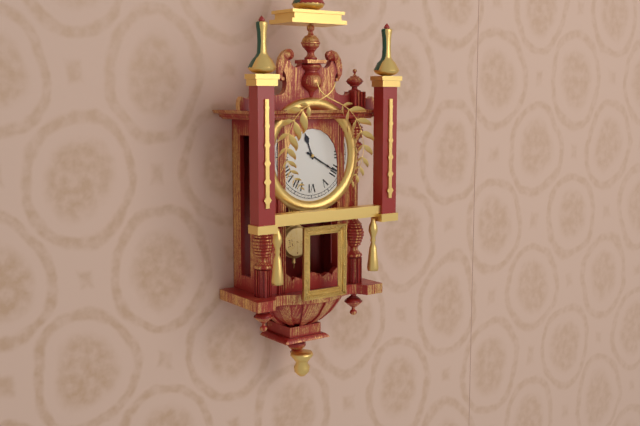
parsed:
11:20
